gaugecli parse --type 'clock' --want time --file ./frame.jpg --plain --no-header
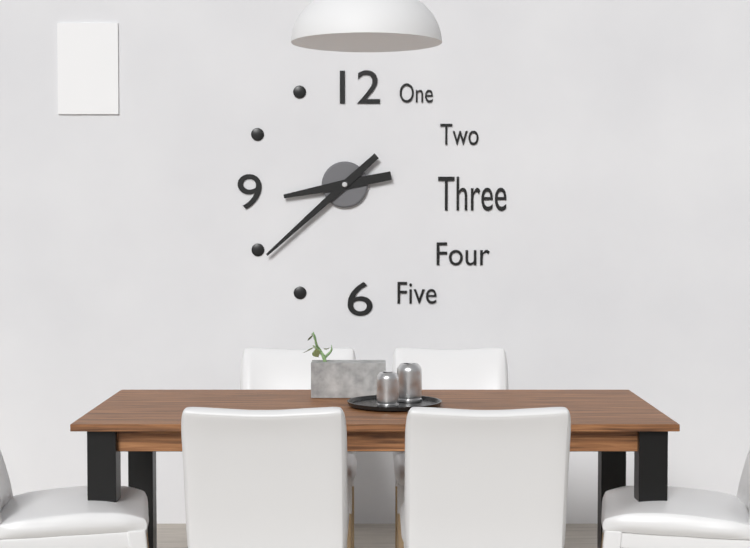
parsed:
8:38
